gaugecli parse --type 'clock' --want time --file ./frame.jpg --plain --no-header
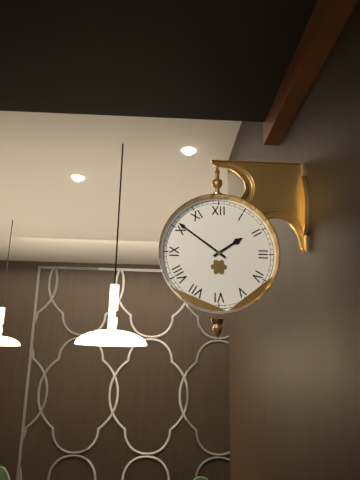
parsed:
1:51
